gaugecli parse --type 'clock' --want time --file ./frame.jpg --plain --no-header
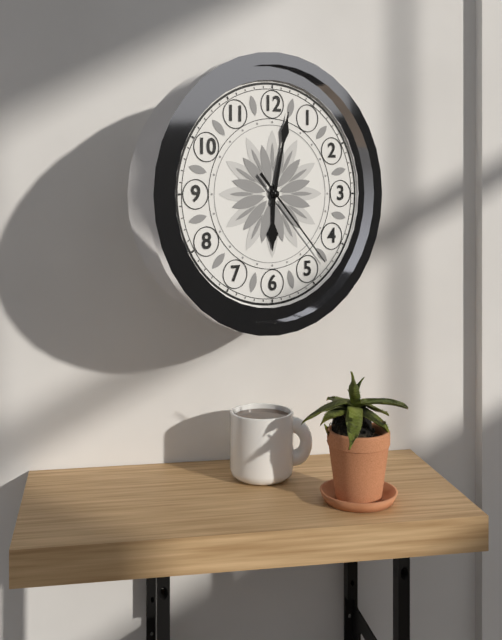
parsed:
6:02:23
